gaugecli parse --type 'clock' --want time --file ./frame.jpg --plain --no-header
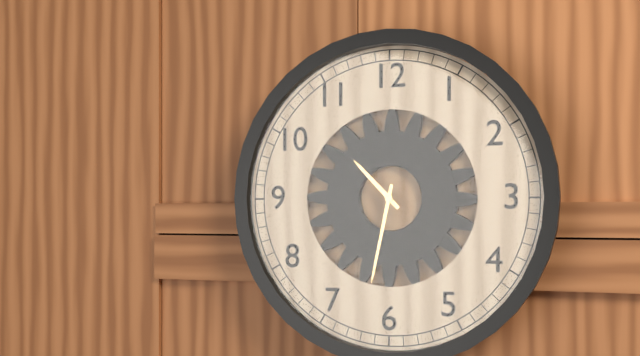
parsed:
10:32
